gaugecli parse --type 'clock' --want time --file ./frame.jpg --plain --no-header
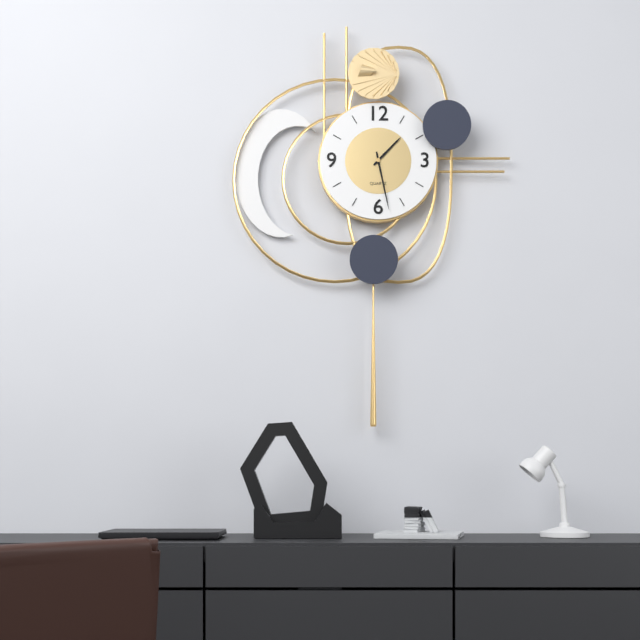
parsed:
1:28
